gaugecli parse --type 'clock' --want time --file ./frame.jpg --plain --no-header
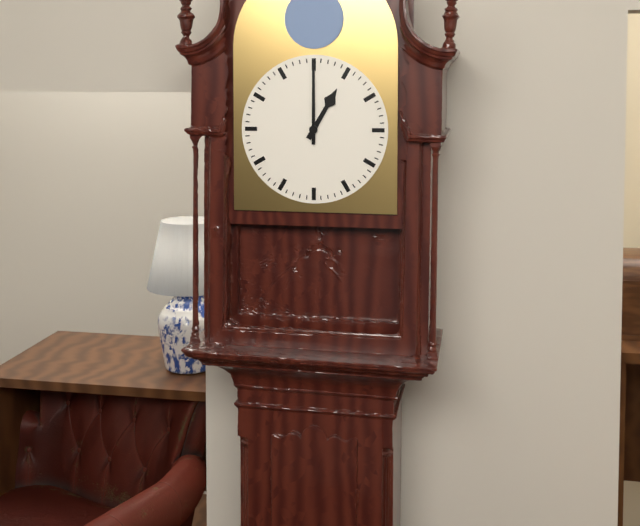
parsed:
1:00
